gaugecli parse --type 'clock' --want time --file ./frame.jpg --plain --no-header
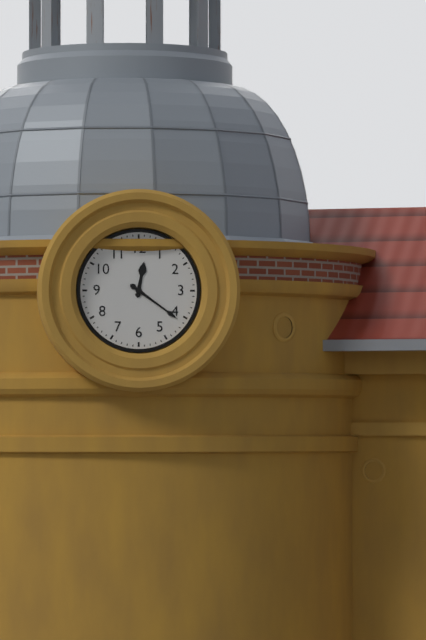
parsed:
12:21
